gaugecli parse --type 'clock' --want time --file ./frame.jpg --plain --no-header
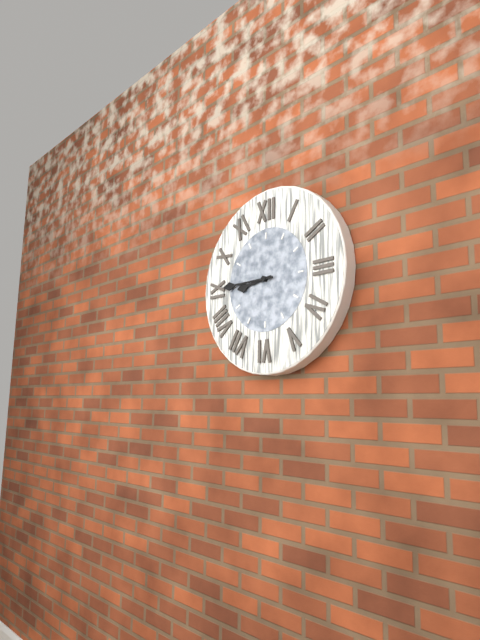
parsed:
8:45
